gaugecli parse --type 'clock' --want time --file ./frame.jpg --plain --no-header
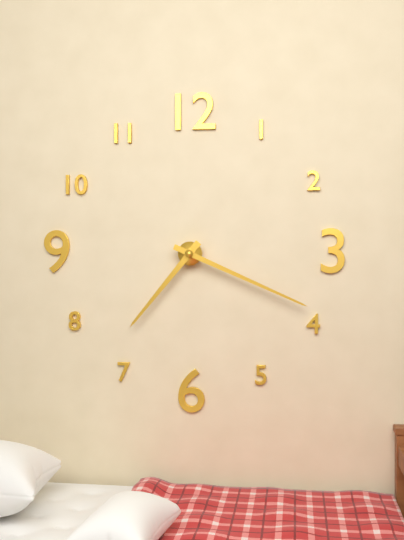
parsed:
7:19
